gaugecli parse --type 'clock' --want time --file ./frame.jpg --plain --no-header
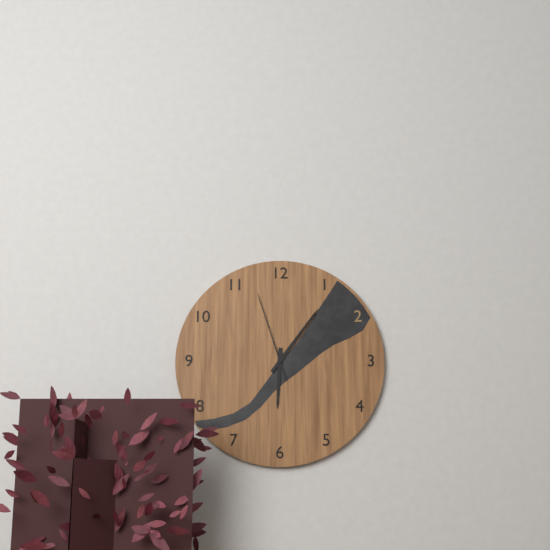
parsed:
6:06:57
